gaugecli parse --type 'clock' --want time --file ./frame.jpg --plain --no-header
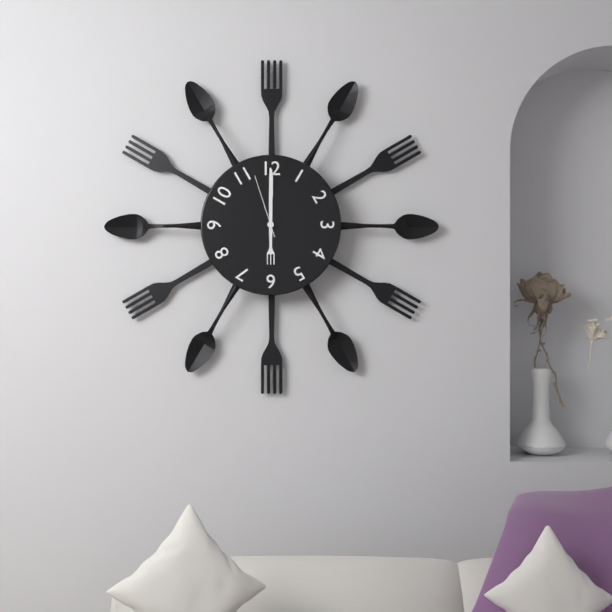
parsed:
6:00:57
